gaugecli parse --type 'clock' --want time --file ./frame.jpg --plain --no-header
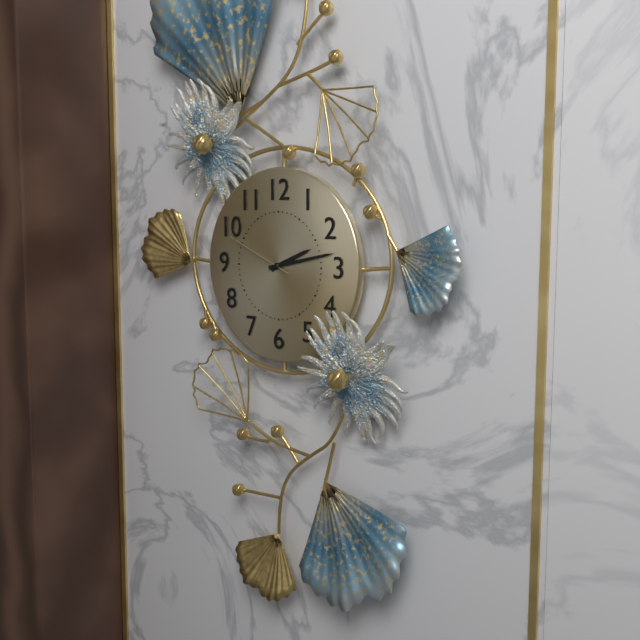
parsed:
2:13:49
